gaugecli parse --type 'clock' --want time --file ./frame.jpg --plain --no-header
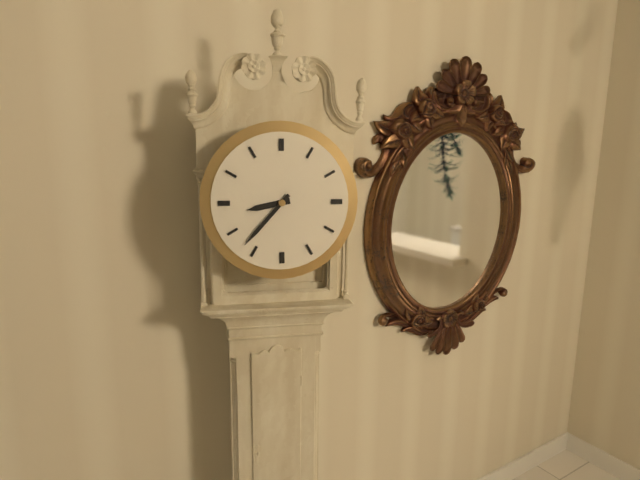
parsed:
8:37
